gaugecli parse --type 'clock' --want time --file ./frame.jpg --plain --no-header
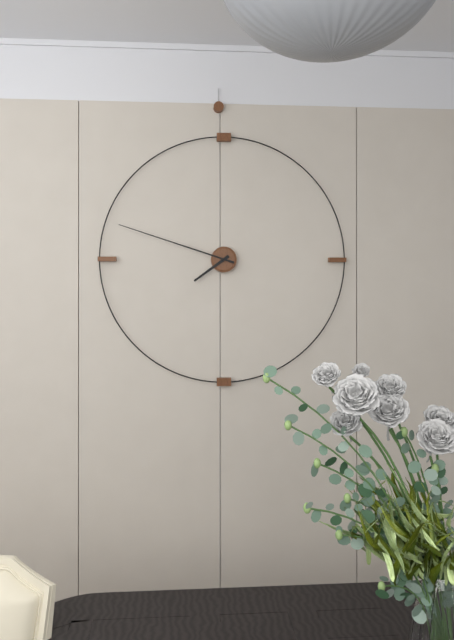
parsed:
7:48
